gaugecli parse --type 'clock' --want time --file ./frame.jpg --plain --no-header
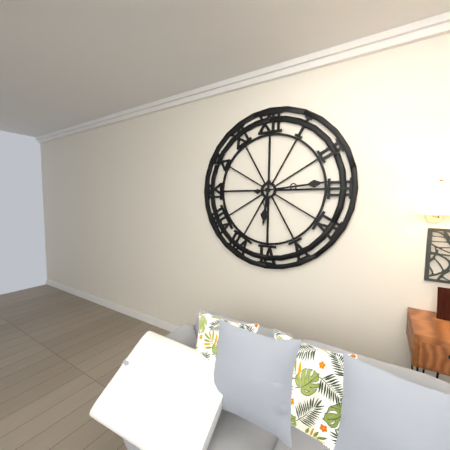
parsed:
6:14
